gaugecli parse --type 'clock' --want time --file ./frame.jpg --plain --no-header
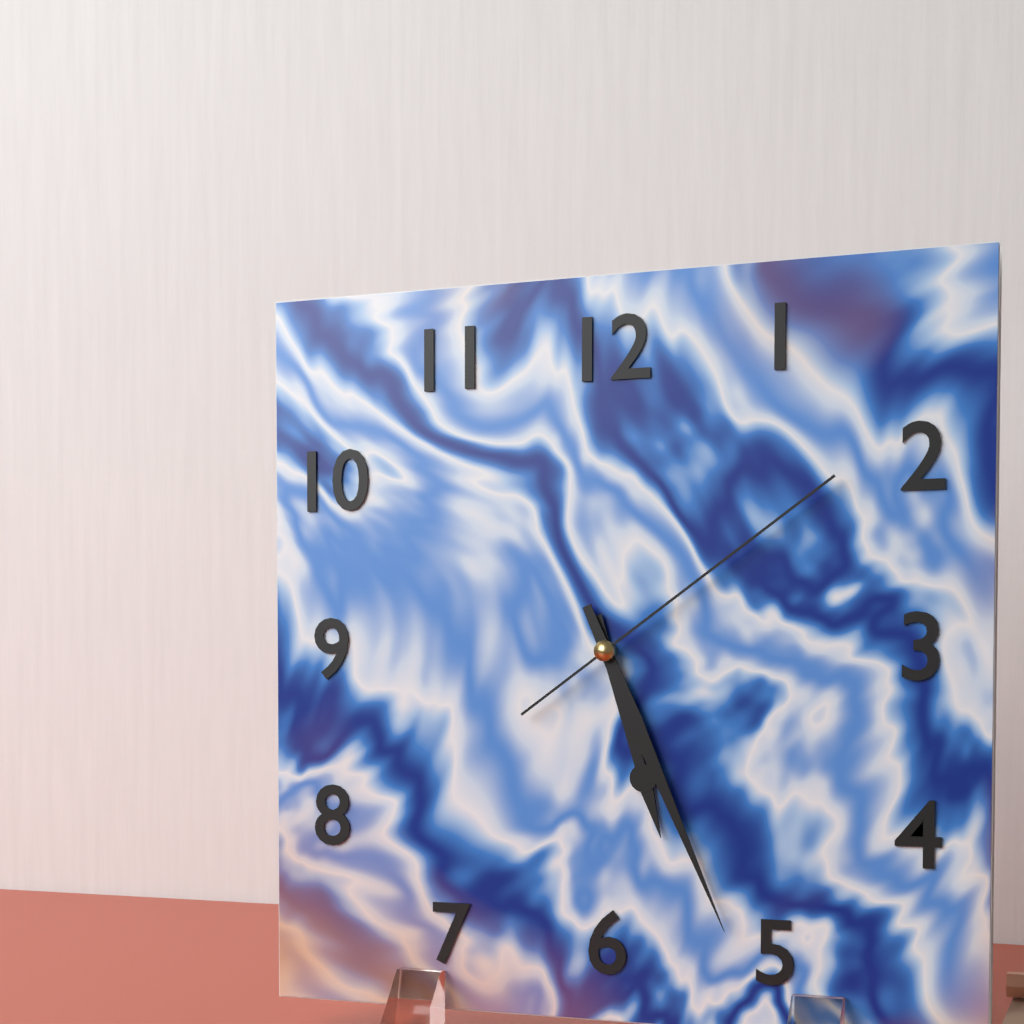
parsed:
5:26:09
